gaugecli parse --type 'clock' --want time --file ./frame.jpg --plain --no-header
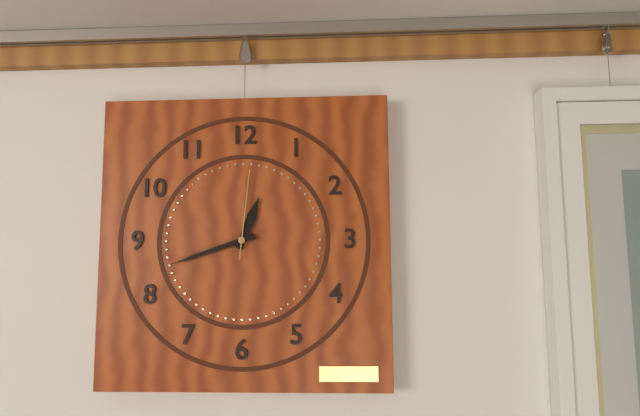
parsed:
12:42:01
